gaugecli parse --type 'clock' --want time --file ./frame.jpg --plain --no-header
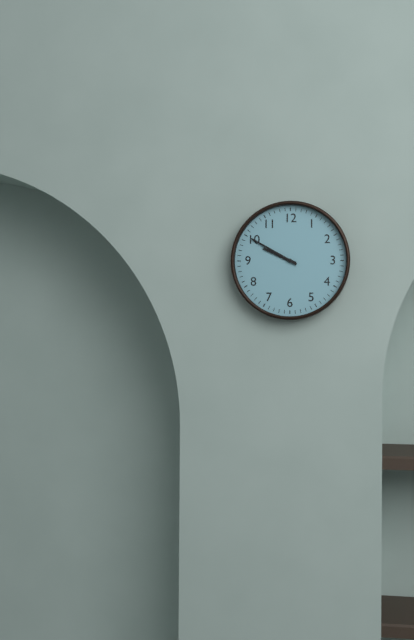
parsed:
9:50
